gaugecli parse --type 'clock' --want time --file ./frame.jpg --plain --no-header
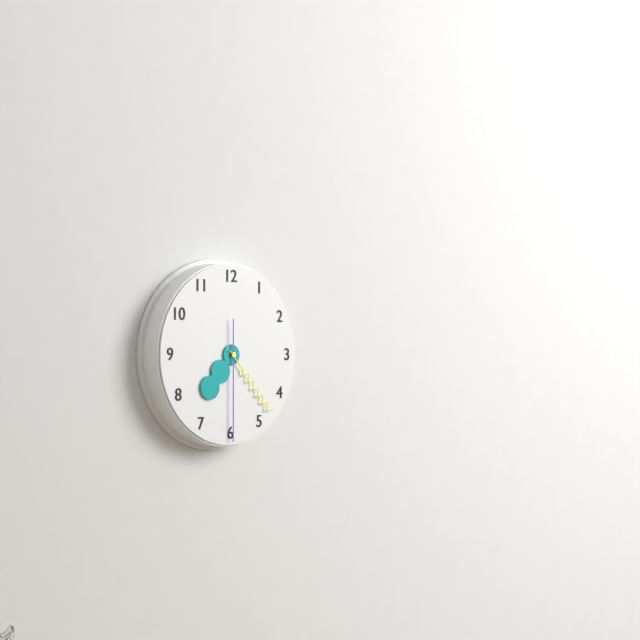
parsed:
7:23:30
